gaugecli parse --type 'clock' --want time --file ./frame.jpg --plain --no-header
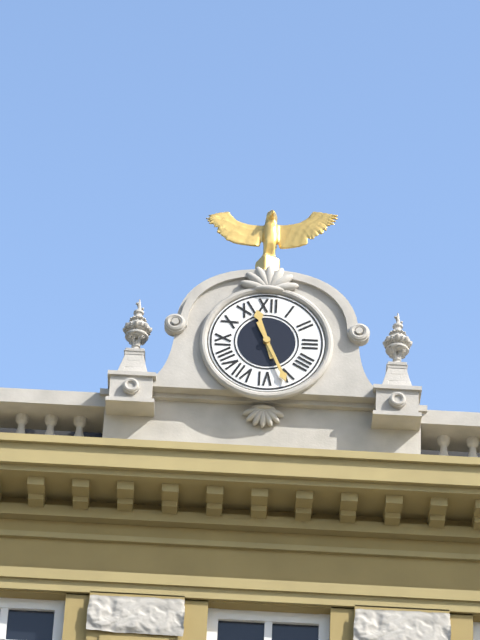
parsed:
11:26
